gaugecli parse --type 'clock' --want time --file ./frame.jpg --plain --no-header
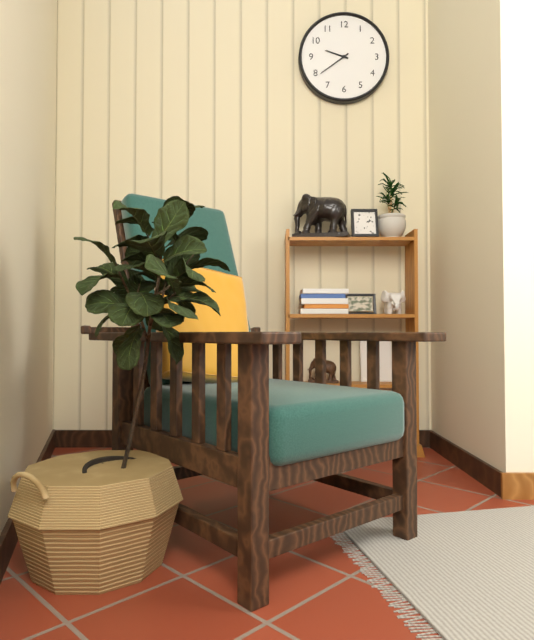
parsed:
9:39
